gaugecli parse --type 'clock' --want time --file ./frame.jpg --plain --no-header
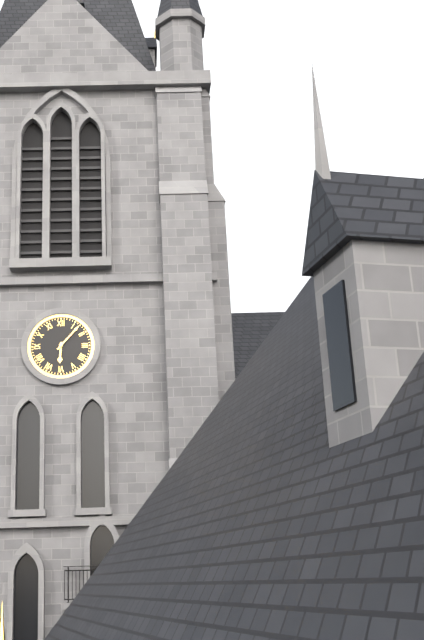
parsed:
6:07
